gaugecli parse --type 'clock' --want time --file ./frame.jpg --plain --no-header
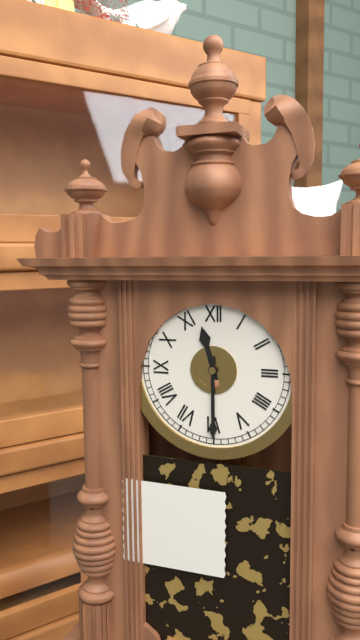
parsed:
11:30
